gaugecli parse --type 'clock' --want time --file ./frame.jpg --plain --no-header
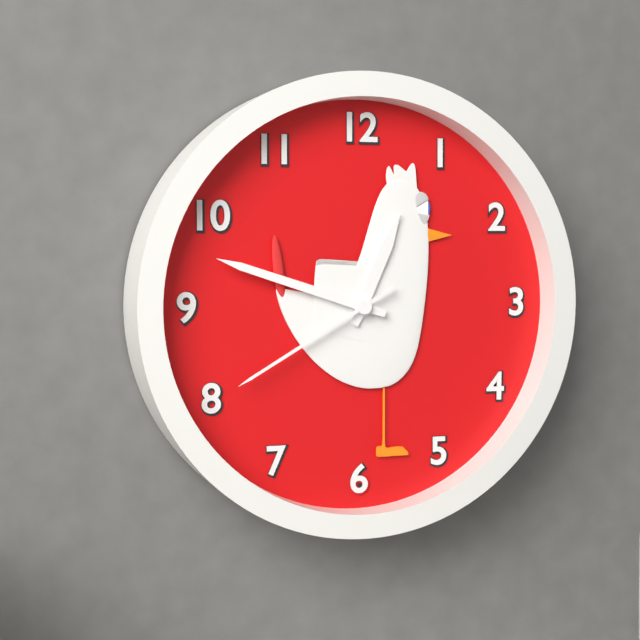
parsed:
12:48:40
